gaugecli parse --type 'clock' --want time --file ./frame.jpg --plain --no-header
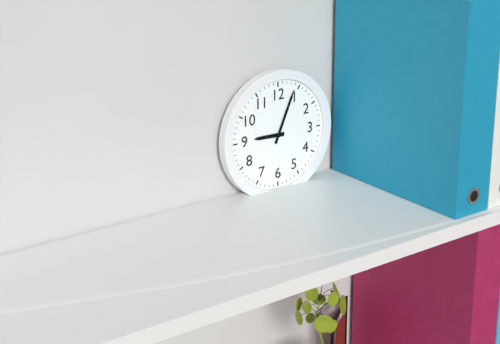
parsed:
9:04
